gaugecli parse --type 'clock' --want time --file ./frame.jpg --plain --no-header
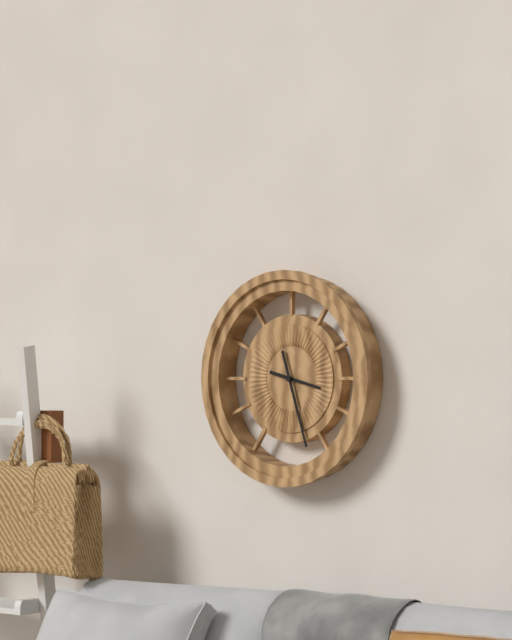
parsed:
3:27
